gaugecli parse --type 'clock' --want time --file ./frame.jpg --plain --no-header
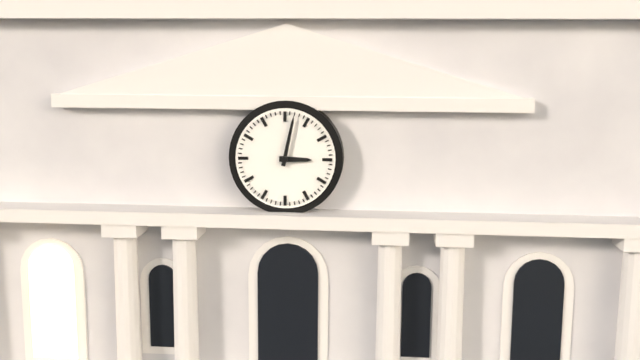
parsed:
3:02
